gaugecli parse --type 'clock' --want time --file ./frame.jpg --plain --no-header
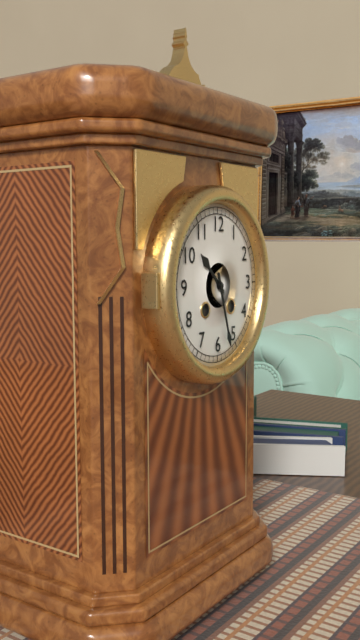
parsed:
10:27
